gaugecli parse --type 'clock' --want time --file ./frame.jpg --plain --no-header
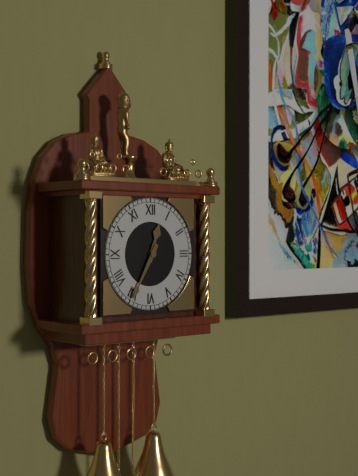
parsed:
12:35
